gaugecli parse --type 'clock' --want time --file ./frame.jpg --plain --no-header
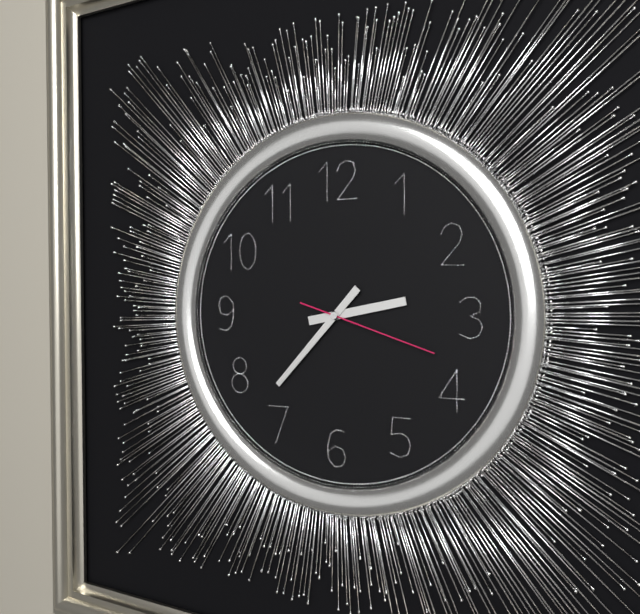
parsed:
2:37:18
